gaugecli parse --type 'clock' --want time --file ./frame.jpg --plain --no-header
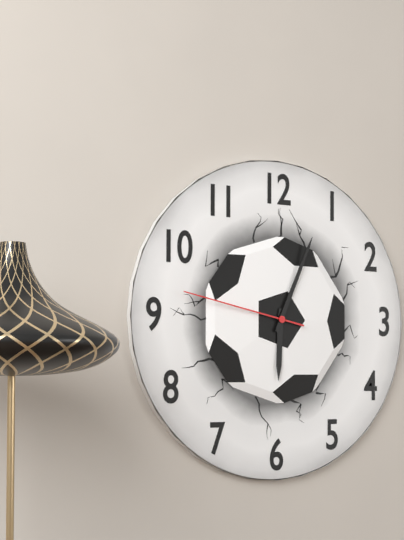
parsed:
6:04:47
